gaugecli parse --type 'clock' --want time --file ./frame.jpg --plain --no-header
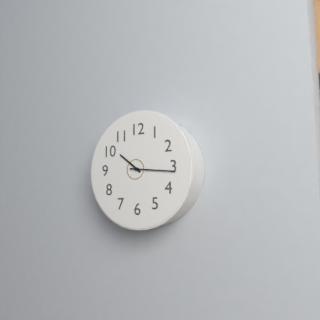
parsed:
10:16
